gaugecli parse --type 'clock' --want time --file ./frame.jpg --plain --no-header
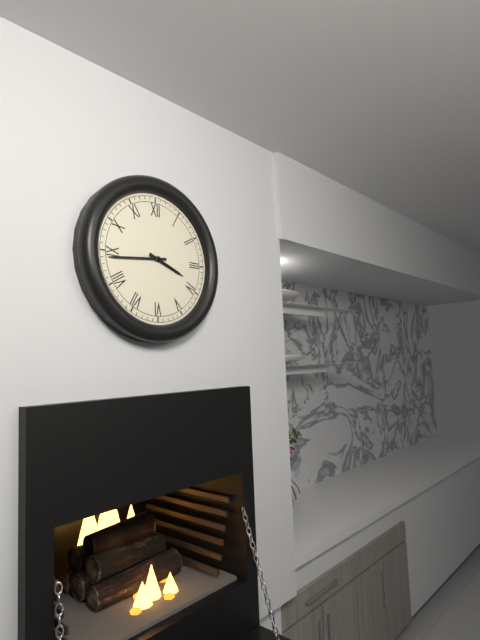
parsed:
3:44
